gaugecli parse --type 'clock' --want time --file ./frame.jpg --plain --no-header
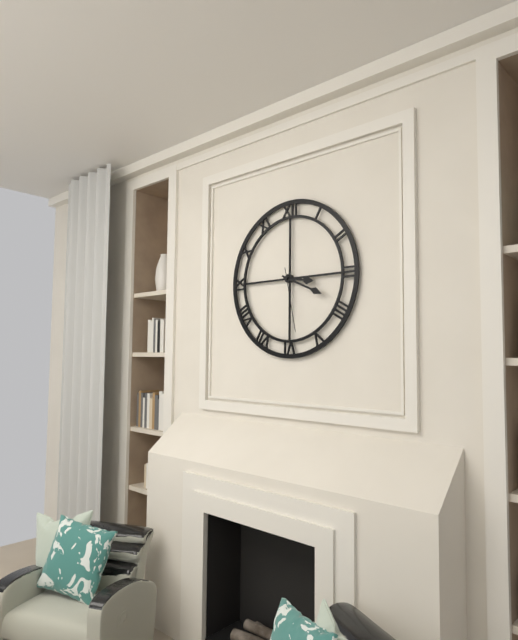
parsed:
3:19:28
